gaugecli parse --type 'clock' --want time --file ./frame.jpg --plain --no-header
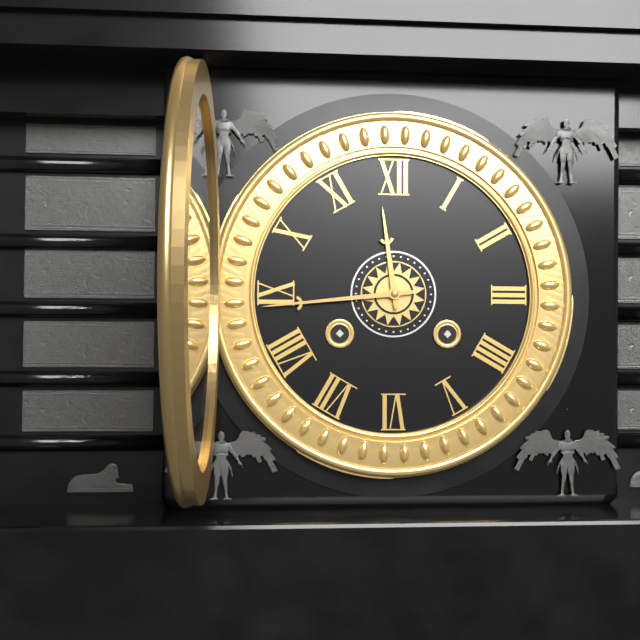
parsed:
11:44
